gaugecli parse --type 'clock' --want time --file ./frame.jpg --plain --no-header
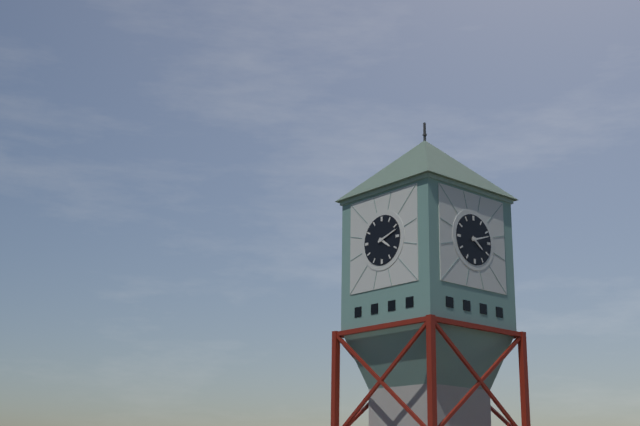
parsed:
4:12
